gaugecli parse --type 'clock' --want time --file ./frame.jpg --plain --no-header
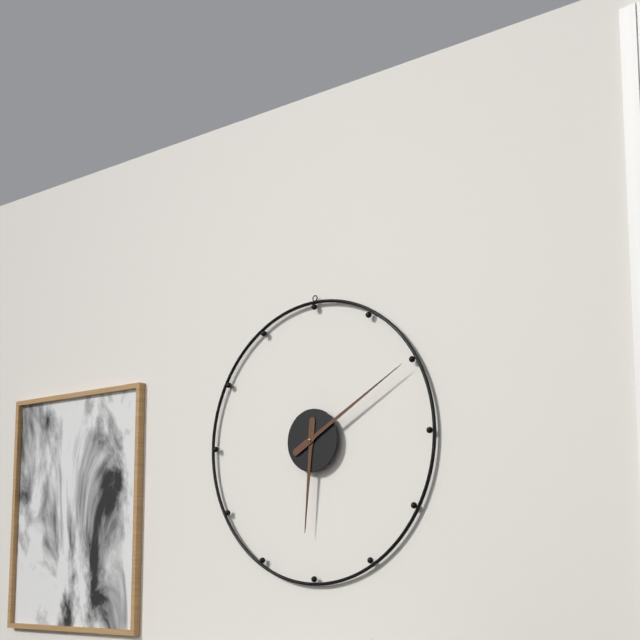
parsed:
6:10
